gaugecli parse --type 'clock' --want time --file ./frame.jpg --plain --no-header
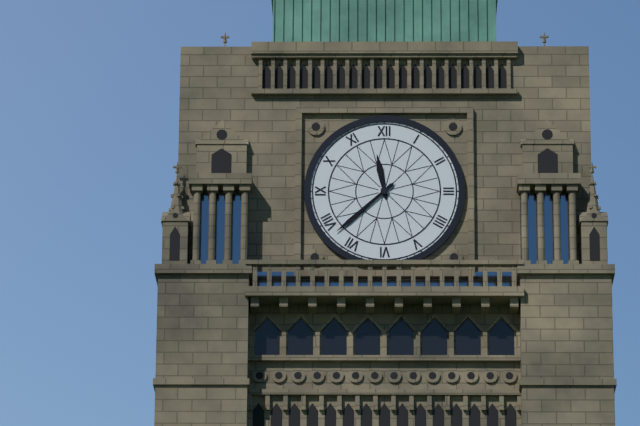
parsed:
11:38
